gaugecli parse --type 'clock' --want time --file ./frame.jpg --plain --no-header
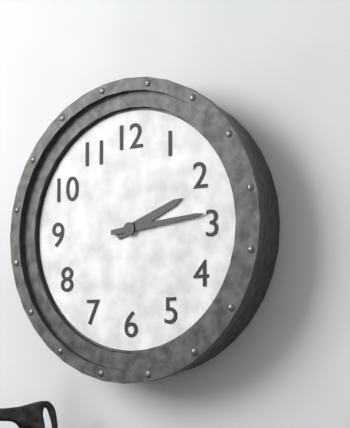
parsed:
2:14
